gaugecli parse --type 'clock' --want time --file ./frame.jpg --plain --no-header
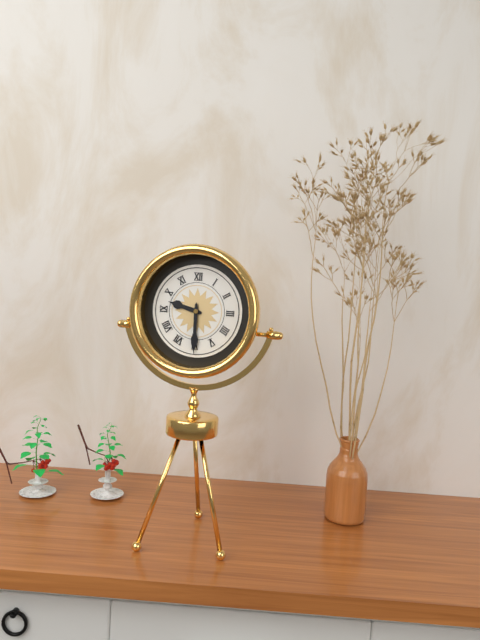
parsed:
9:30
